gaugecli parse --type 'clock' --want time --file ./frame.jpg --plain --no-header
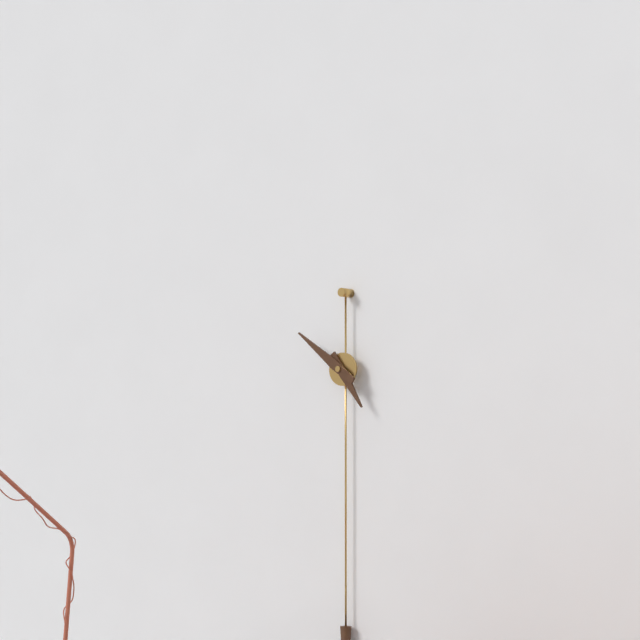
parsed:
4:51
